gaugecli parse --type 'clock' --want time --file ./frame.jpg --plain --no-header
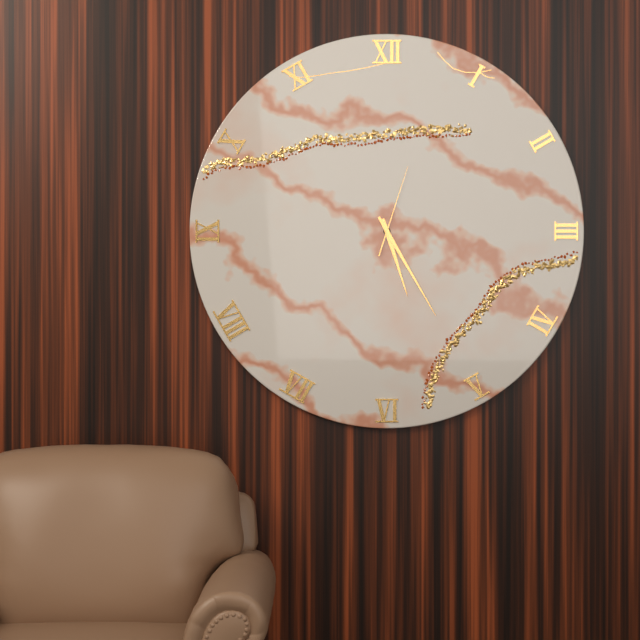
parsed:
5:25:03
